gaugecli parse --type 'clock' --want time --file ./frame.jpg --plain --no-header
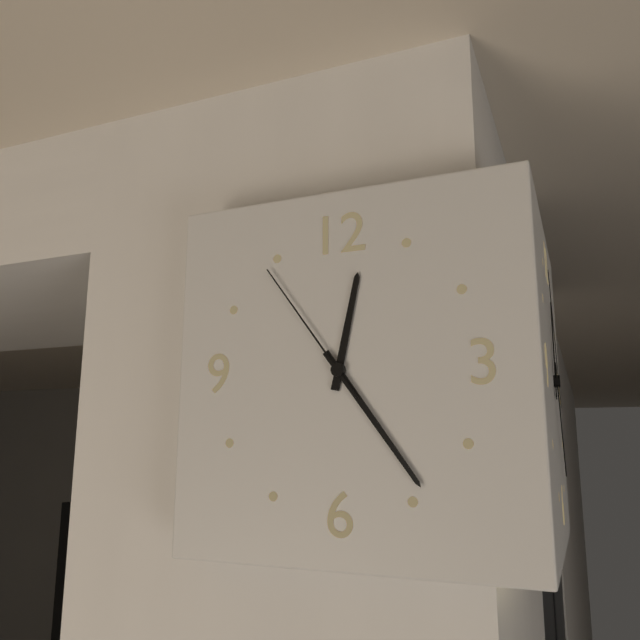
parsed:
12:24:54
